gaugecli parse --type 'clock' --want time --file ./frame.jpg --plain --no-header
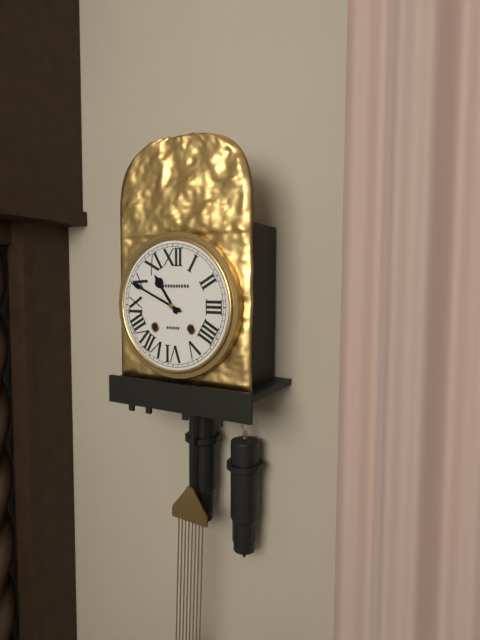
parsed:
10:49
